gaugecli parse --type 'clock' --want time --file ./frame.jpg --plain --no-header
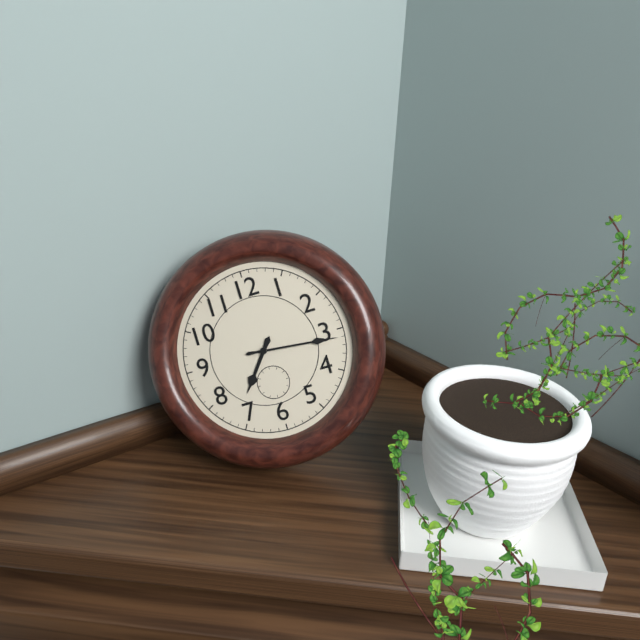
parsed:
7:16
